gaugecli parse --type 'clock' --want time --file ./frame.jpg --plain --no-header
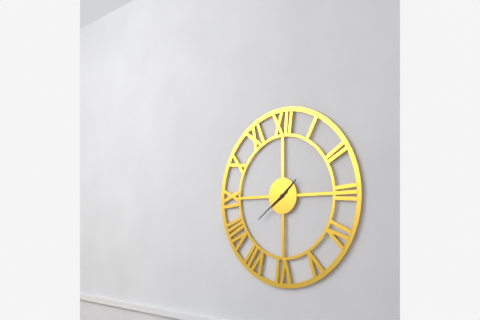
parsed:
1:39
